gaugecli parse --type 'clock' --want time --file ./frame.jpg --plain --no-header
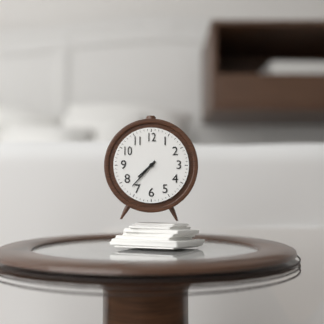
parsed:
7:37
